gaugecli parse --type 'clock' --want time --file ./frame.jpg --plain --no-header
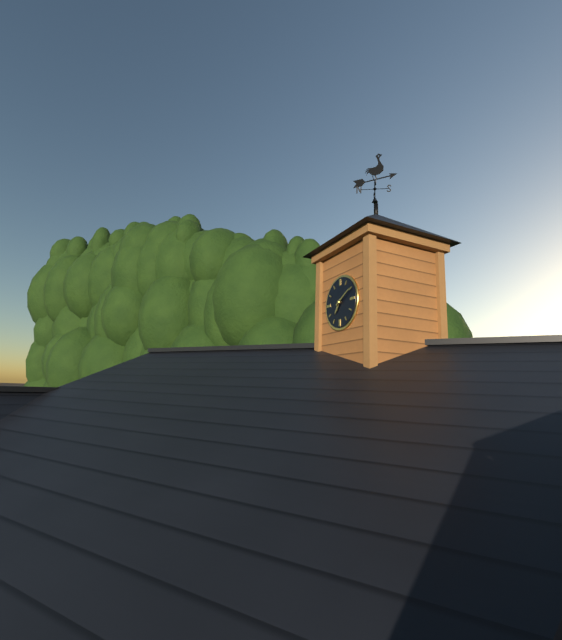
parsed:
7:10
